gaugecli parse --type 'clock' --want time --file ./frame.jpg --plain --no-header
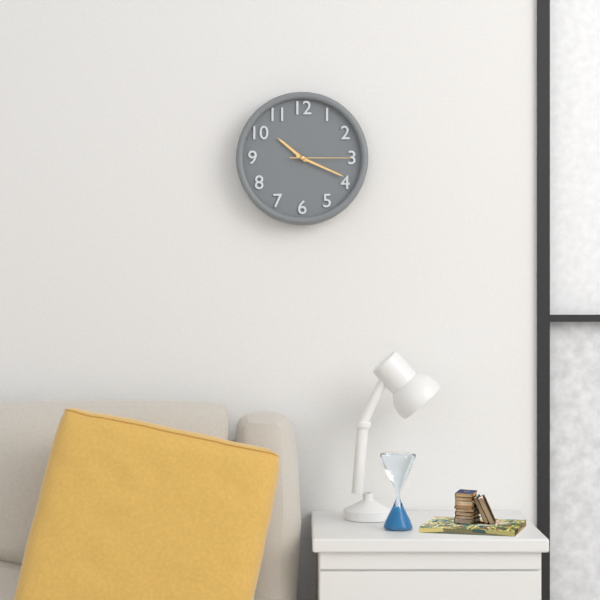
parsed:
10:19:15
